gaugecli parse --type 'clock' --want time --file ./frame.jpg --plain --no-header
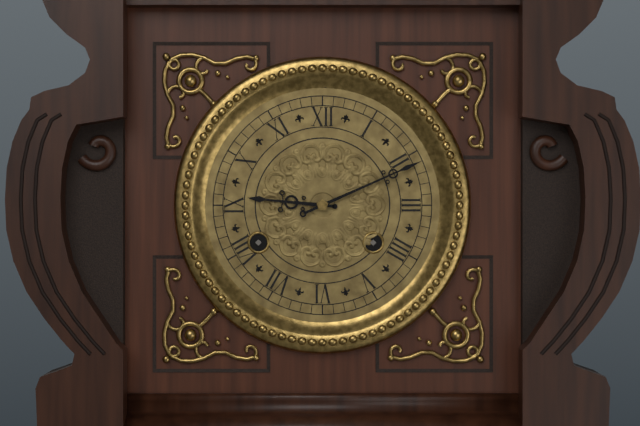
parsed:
9:11
